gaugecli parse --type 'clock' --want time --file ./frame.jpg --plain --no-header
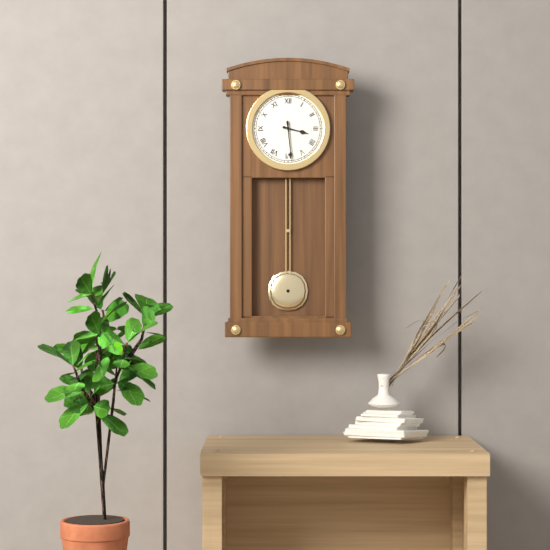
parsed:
3:29
